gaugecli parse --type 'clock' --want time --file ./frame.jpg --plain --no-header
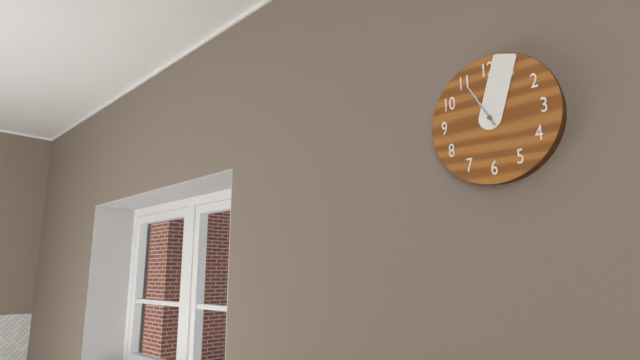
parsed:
11:03
